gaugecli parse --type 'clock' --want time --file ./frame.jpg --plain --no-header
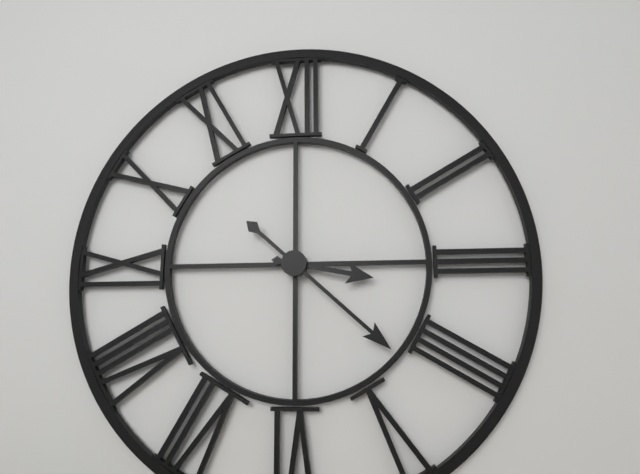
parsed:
3:22
